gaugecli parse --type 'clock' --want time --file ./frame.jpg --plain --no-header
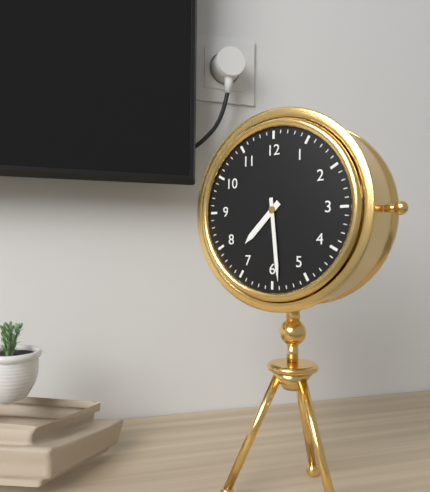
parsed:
7:29
